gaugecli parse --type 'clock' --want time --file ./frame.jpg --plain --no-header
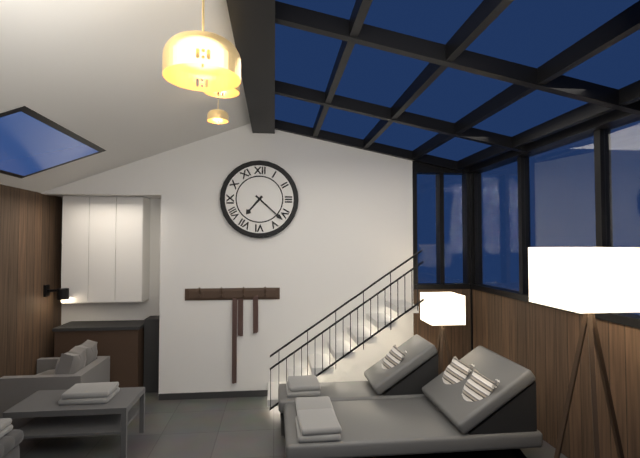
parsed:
7:22
